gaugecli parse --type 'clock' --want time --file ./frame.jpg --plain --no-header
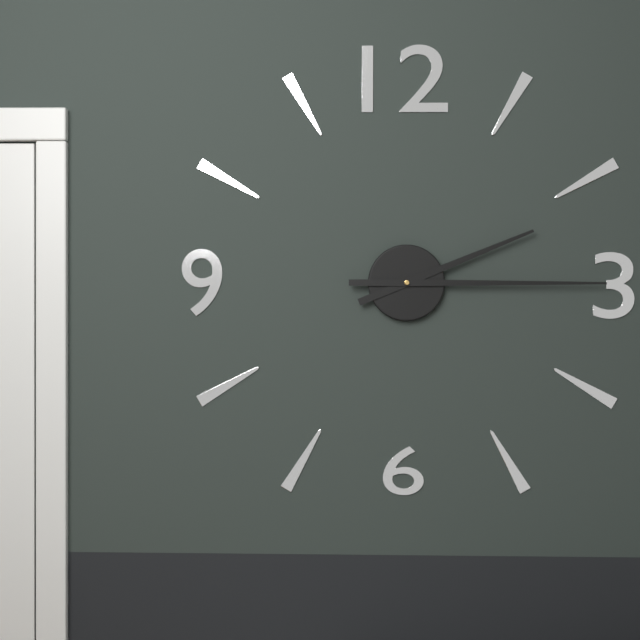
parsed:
2:15
